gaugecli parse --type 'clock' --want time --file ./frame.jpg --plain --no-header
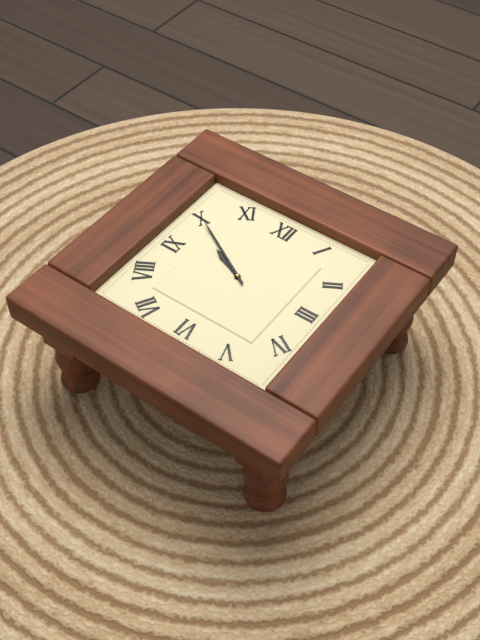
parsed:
9:50
